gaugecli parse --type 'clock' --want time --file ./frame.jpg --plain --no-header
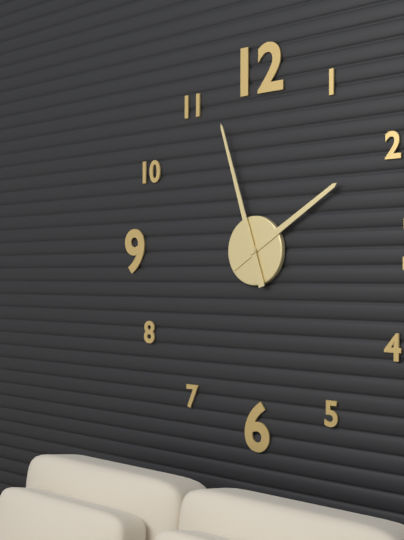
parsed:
1:57
